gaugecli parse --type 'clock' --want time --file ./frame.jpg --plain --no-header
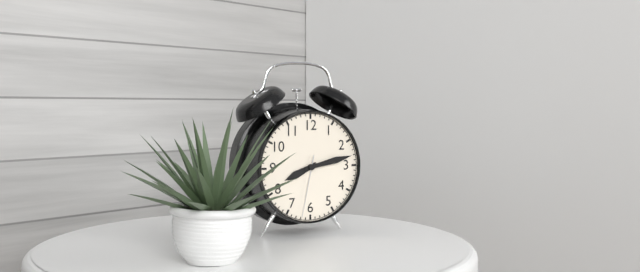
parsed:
8:13:32
